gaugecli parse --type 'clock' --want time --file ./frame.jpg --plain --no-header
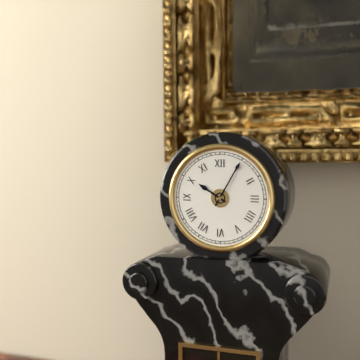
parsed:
10:05
